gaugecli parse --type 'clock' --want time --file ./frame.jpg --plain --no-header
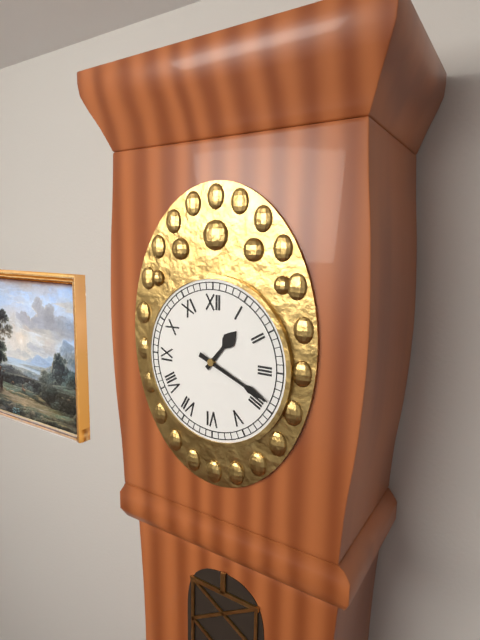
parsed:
1:19
